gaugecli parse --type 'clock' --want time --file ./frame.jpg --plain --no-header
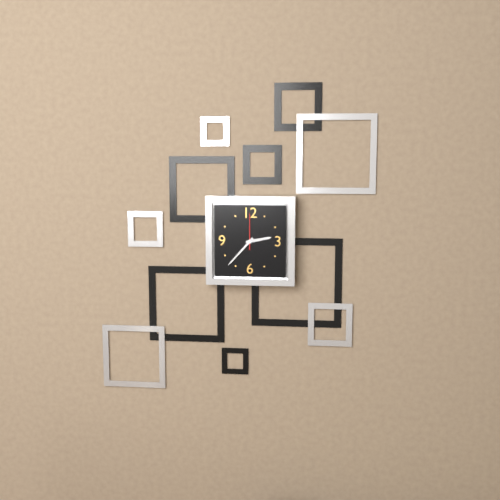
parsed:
2:37
